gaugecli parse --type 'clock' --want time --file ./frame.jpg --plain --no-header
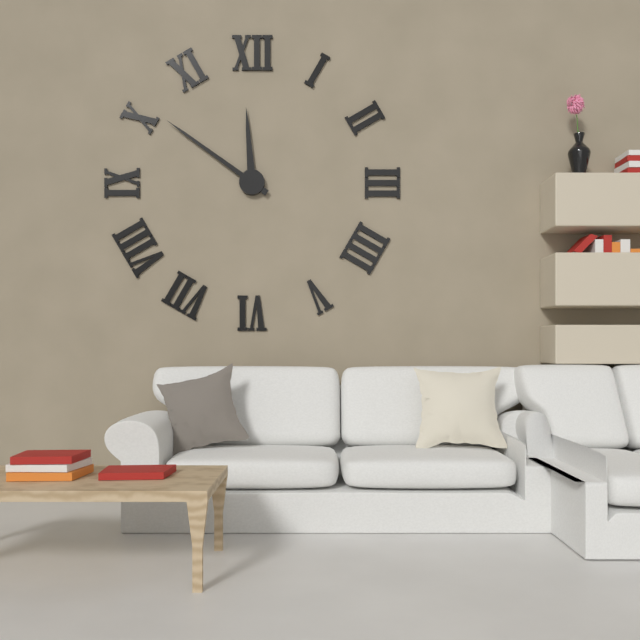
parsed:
11:51
